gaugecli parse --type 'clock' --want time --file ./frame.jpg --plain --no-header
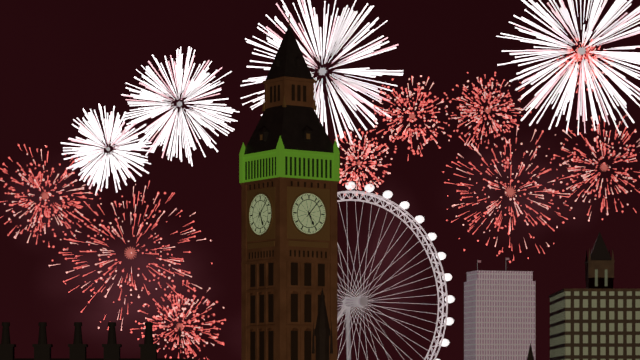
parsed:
5:07
